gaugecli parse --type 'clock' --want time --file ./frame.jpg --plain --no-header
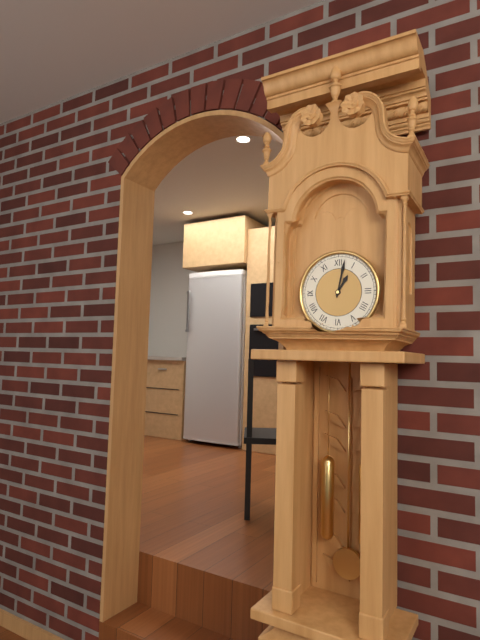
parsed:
1:02
